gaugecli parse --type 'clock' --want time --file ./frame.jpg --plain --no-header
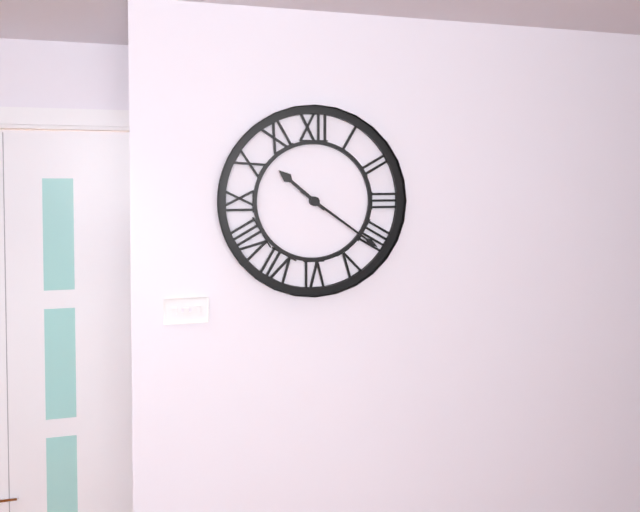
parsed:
10:21
